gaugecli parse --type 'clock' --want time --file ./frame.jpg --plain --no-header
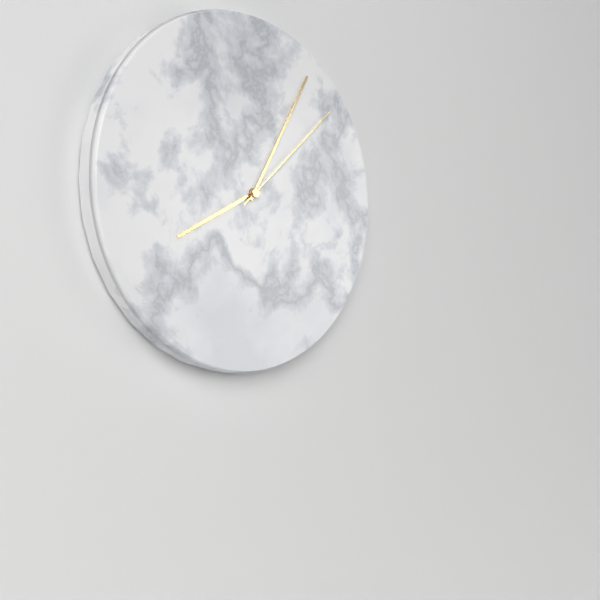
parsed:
8:05:08
